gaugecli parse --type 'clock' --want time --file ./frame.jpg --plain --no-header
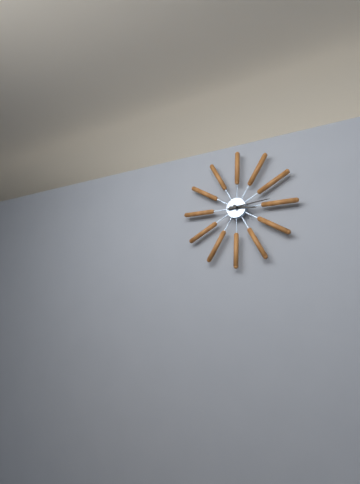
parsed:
3:14
